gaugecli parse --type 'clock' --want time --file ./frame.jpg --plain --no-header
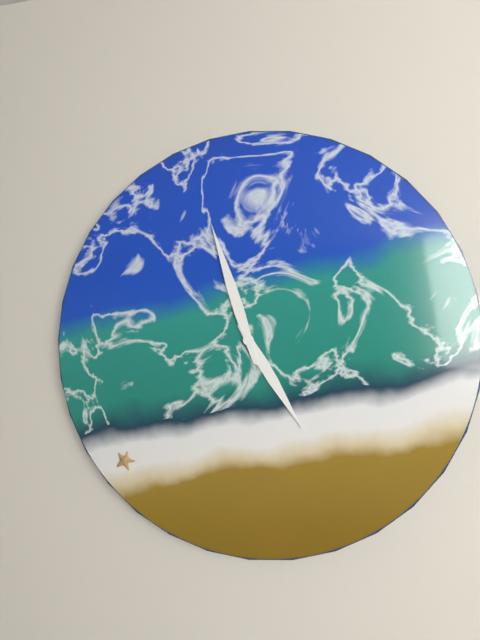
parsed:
4:57
